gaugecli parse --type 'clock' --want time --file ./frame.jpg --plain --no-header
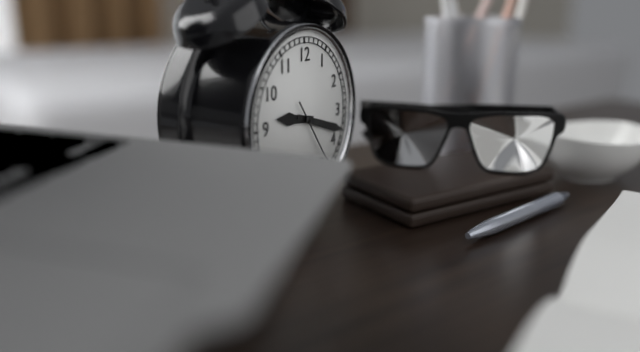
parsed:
9:18:24
